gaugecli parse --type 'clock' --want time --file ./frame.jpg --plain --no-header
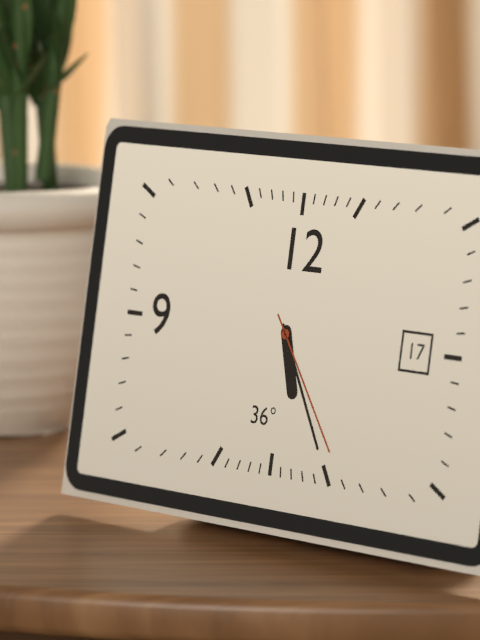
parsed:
5:25:24
